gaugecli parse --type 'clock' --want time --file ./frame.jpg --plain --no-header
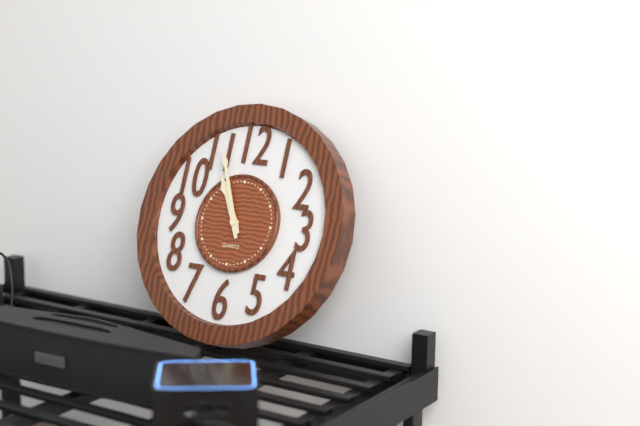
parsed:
10:56
